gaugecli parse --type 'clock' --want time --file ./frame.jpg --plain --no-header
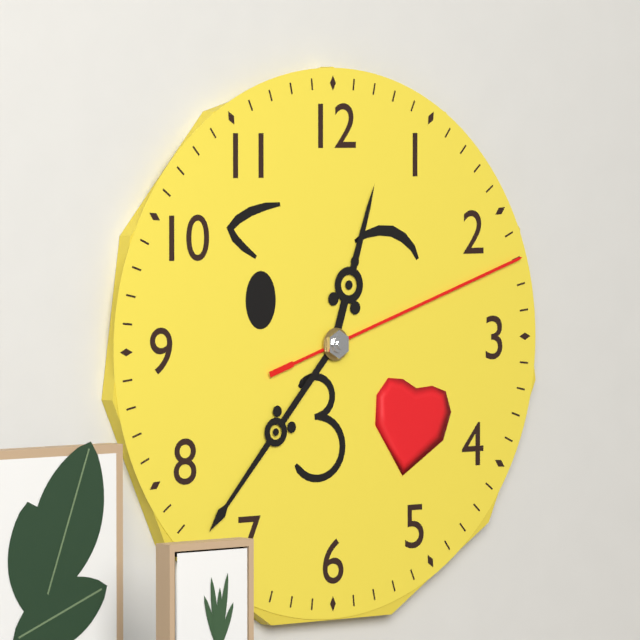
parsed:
12:37:12
